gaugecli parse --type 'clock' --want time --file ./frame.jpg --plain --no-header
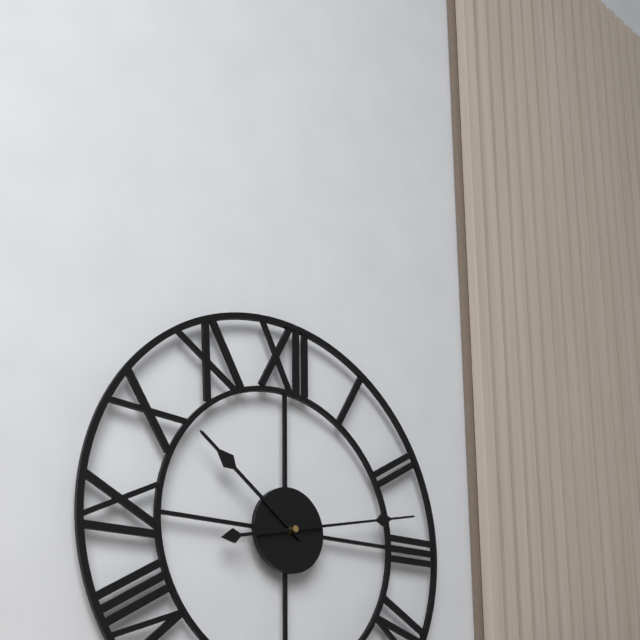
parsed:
10:13
